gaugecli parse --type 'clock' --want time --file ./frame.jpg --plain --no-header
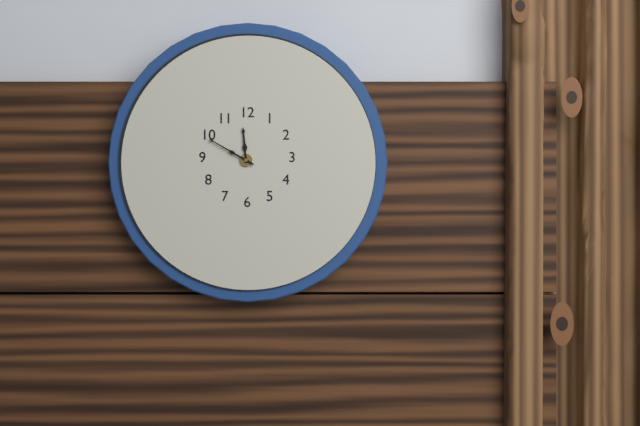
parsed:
11:50
